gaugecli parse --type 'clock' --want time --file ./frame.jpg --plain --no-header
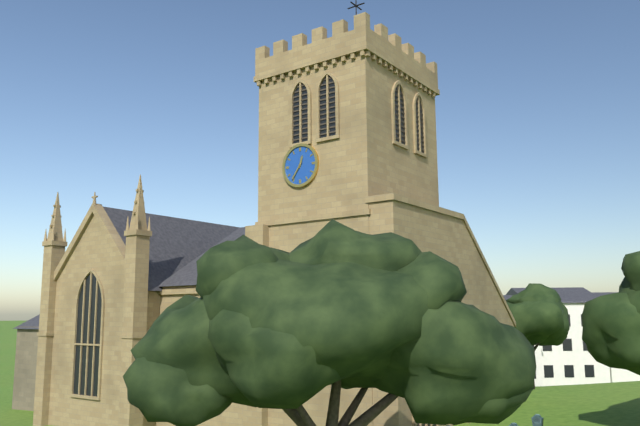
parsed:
12:36
